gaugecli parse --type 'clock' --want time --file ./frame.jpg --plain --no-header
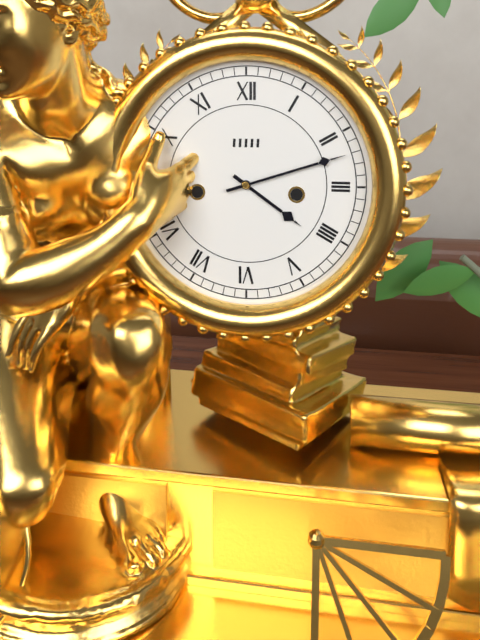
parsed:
4:12
